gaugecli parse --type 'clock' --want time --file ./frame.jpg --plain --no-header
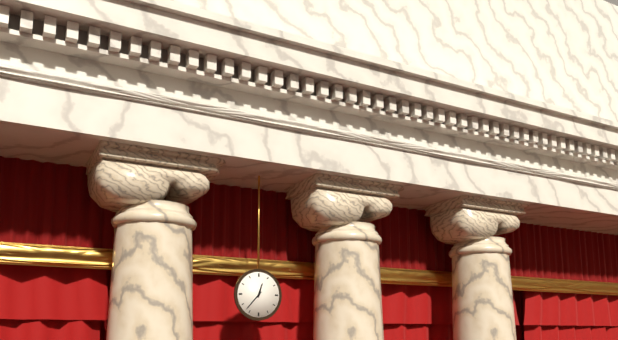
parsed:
12:37
